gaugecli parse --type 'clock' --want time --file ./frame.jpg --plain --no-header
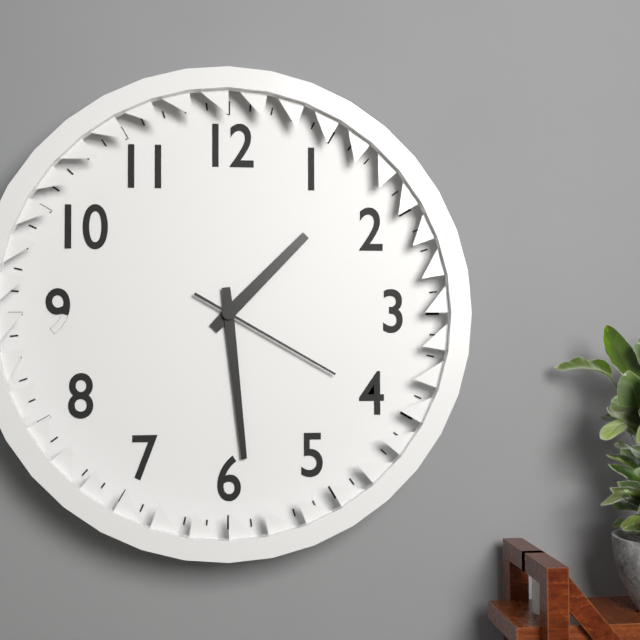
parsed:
1:29:20
